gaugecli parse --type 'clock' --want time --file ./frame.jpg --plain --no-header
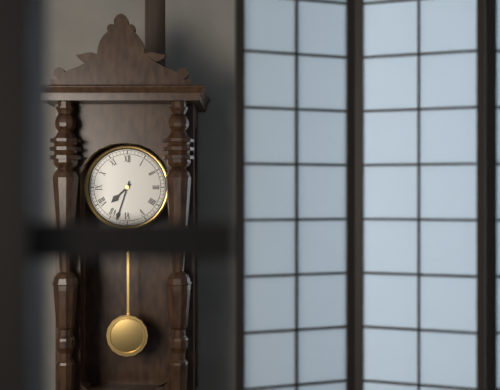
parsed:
7:33
